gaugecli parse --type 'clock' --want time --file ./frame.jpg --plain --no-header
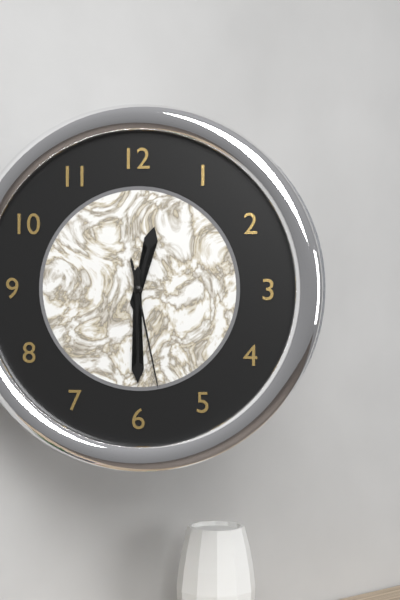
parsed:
12:30:28
